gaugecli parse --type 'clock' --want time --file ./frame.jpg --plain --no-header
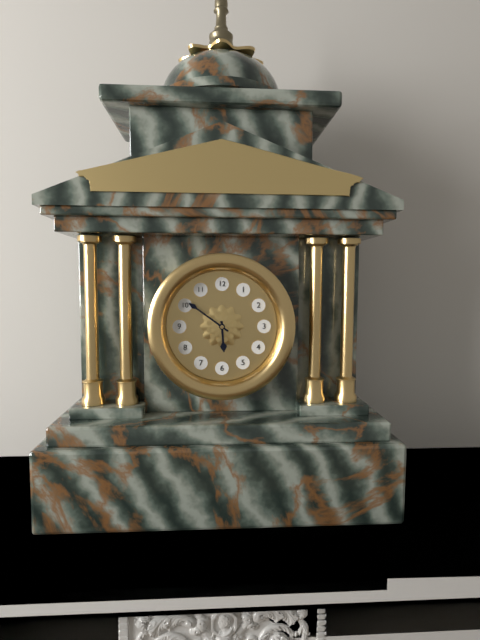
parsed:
5:51
